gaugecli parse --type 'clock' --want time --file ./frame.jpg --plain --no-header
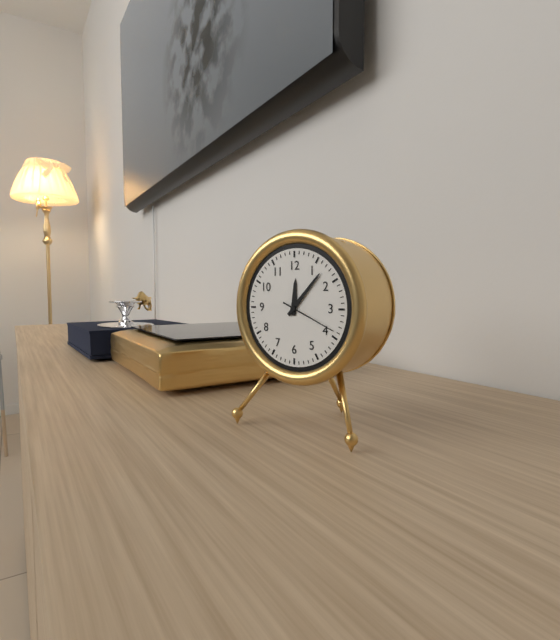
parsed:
12:07:19
